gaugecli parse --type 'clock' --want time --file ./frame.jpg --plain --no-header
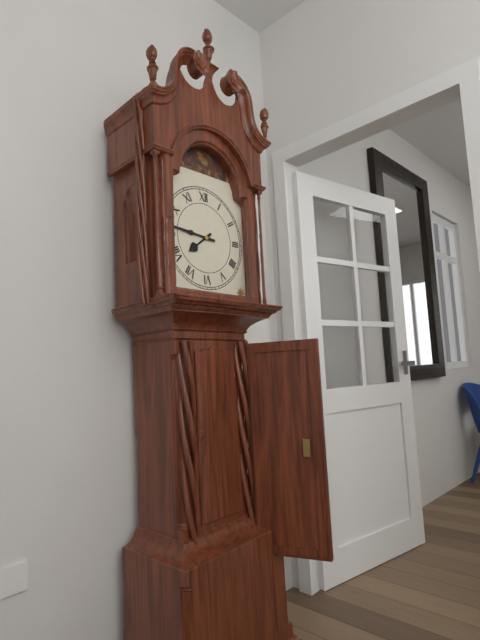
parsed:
7:46
